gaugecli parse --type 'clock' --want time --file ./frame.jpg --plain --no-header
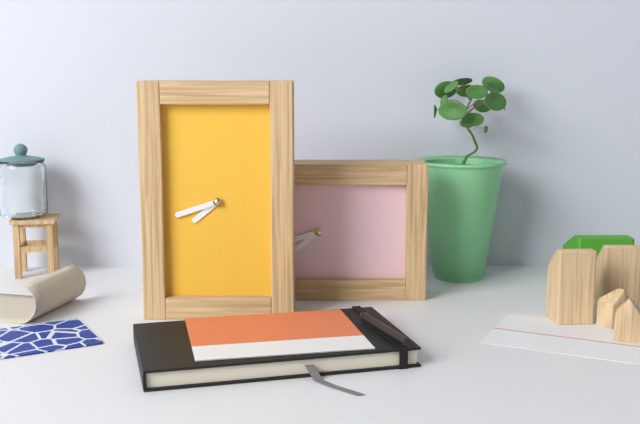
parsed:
7:42
